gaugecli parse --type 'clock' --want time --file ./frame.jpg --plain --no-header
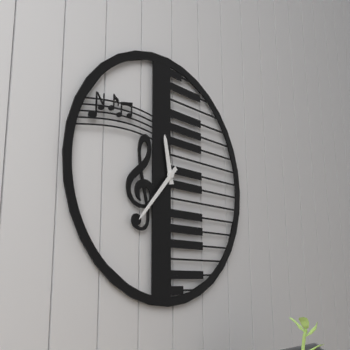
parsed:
11:37
